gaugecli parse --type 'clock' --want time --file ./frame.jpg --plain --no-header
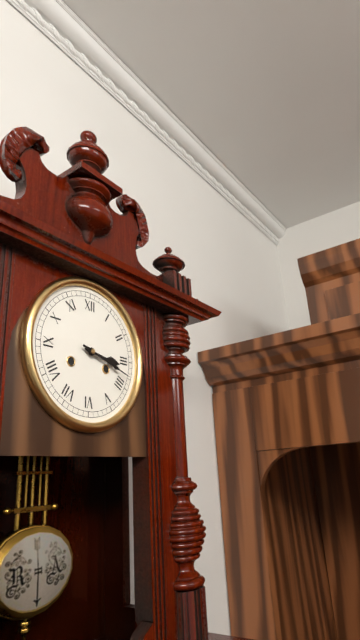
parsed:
3:18
